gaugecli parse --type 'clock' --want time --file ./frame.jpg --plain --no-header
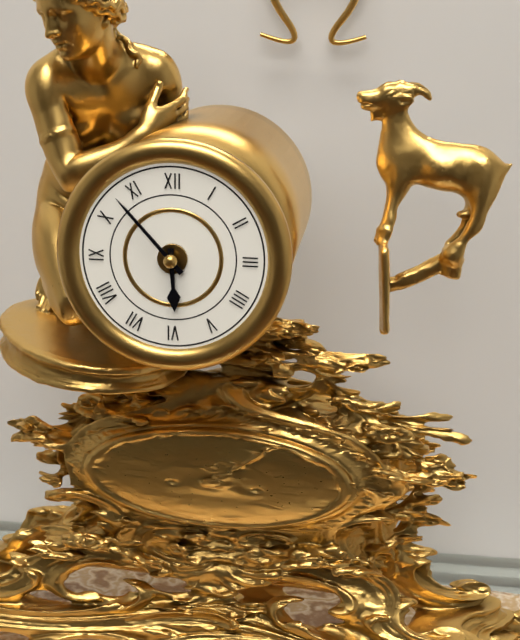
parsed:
5:53
